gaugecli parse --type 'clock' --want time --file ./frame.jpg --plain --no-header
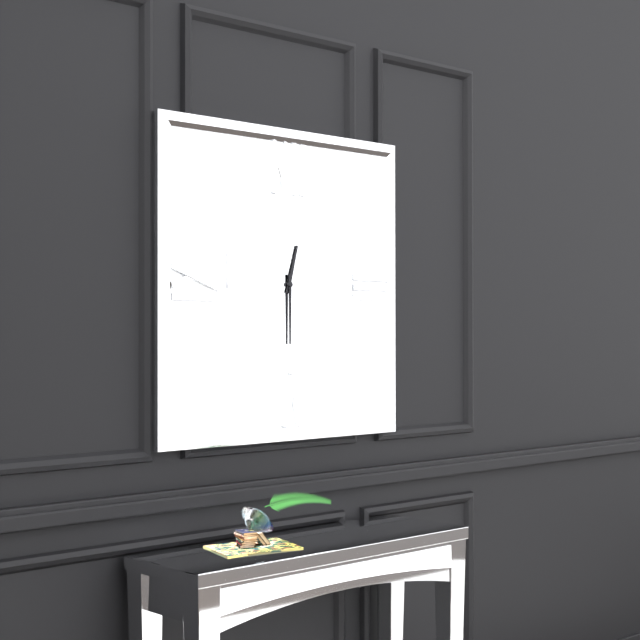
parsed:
12:30
